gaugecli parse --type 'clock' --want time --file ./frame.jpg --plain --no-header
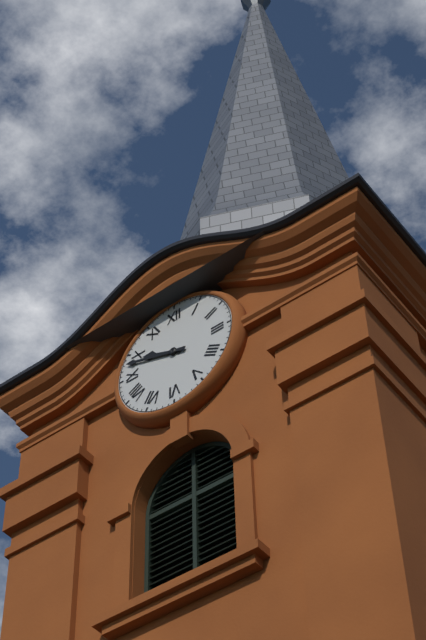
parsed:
9:48
